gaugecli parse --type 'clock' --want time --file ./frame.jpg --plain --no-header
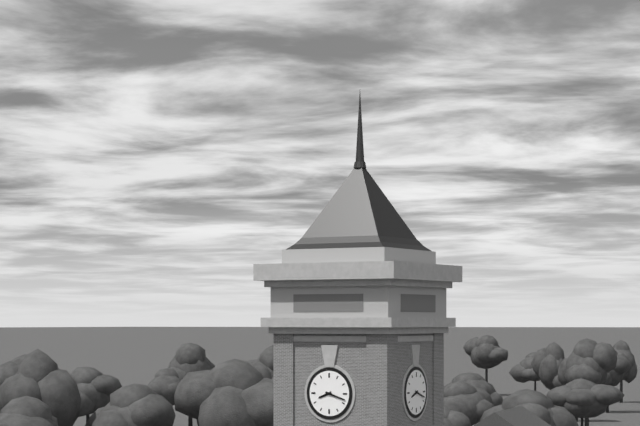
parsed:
8:18
